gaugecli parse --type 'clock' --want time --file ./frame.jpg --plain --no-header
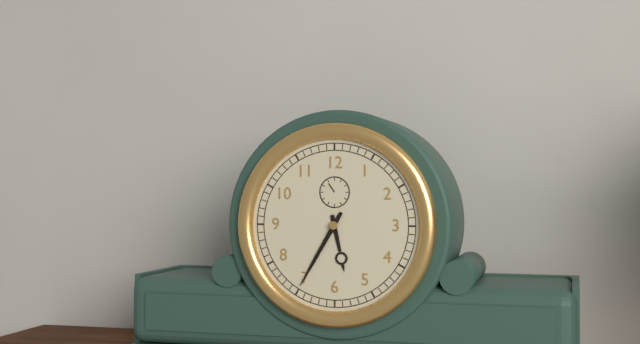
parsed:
5:35
